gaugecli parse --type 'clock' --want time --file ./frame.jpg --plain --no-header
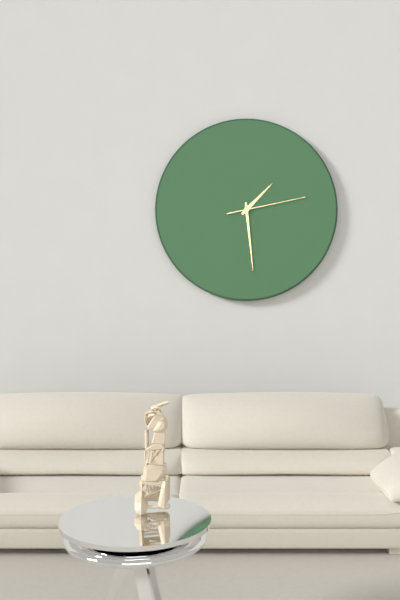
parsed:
1:29:13
